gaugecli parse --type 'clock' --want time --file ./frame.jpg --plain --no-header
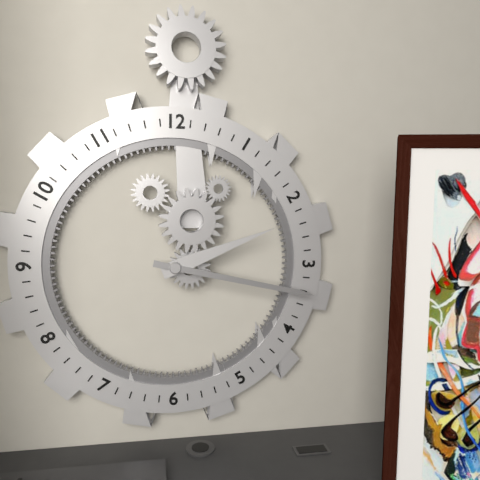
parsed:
2:17
